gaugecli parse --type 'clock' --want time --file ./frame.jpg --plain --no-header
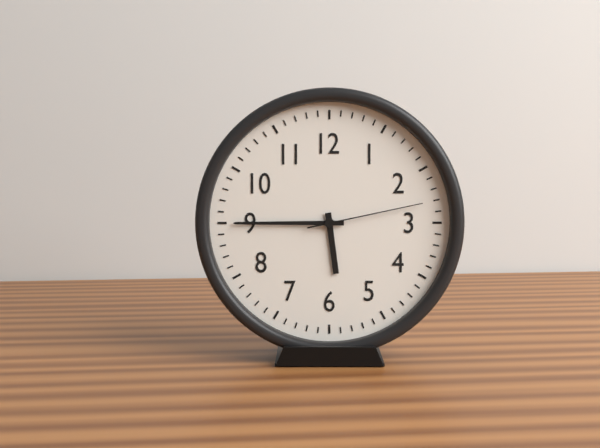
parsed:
5:45:13
